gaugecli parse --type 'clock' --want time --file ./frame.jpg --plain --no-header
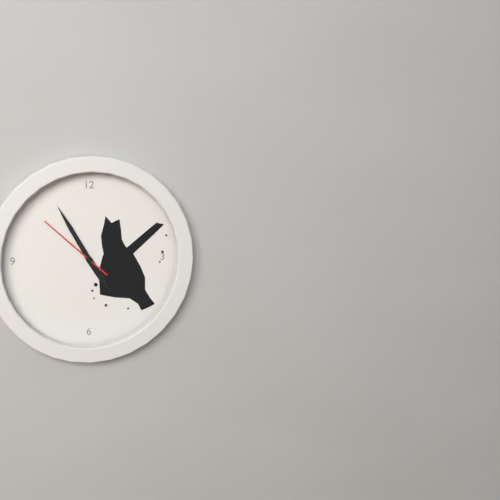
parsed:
4:55:52
